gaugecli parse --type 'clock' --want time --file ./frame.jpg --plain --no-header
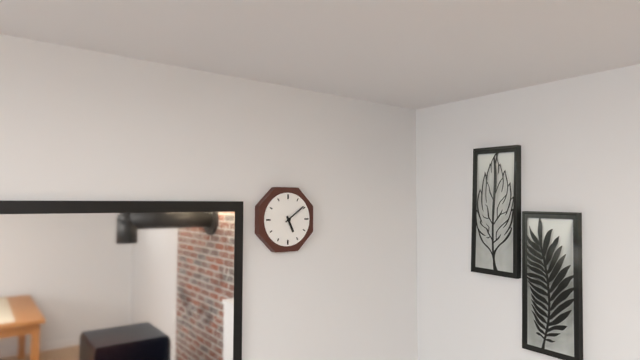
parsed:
5:09
